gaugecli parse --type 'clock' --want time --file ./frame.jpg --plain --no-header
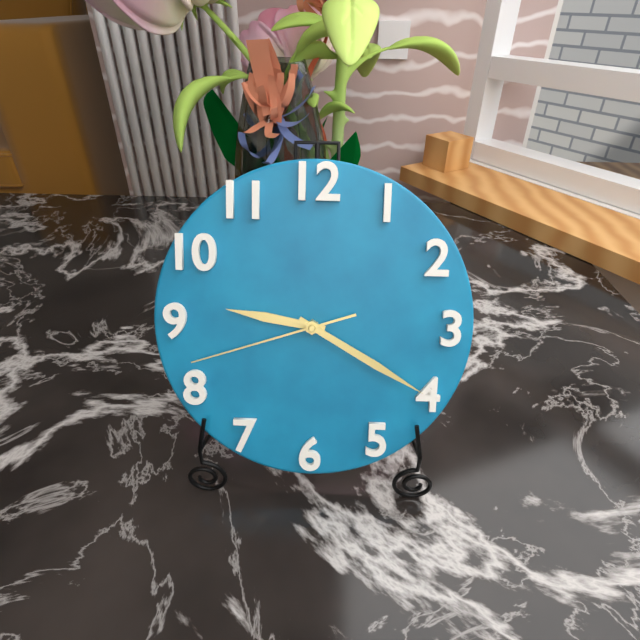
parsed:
9:20:42
